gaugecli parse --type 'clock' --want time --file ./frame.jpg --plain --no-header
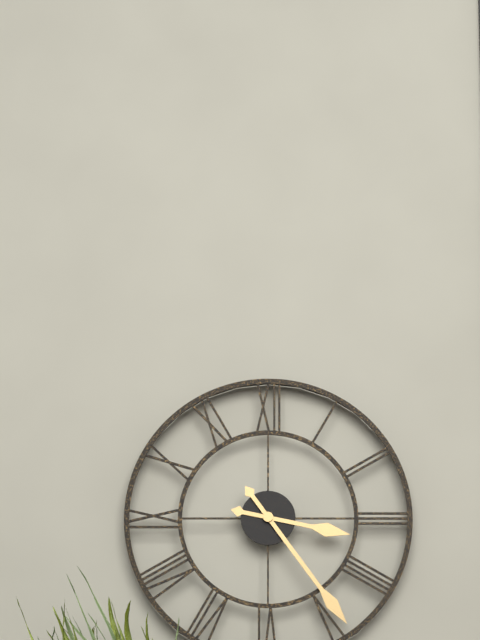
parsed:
3:24
